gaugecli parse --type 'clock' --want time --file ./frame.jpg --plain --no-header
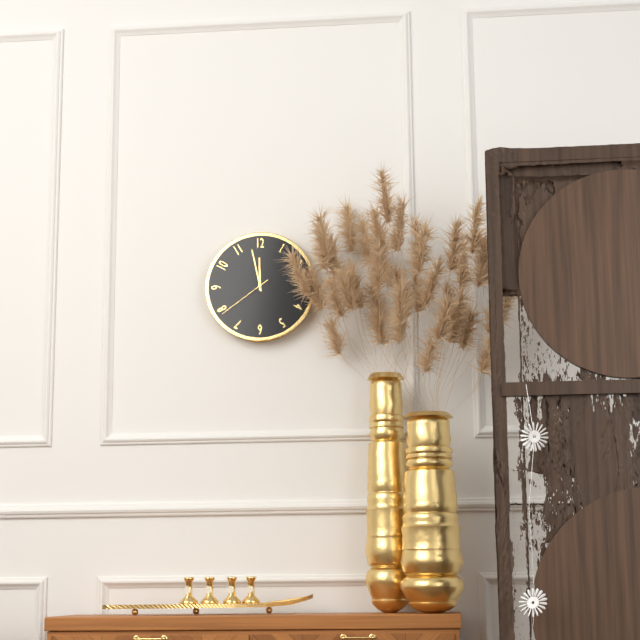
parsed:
11:58:39
